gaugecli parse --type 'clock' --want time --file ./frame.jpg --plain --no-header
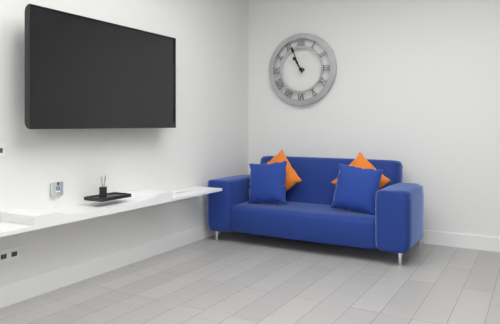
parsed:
10:56
